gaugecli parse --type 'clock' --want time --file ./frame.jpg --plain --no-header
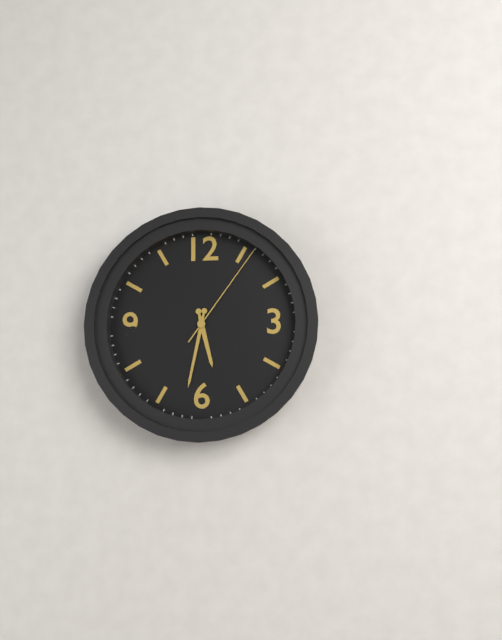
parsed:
5:32:06
